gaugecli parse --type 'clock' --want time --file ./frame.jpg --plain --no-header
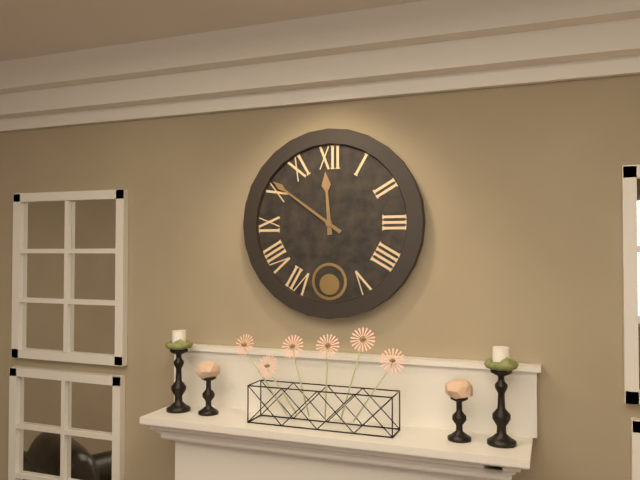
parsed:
11:51
